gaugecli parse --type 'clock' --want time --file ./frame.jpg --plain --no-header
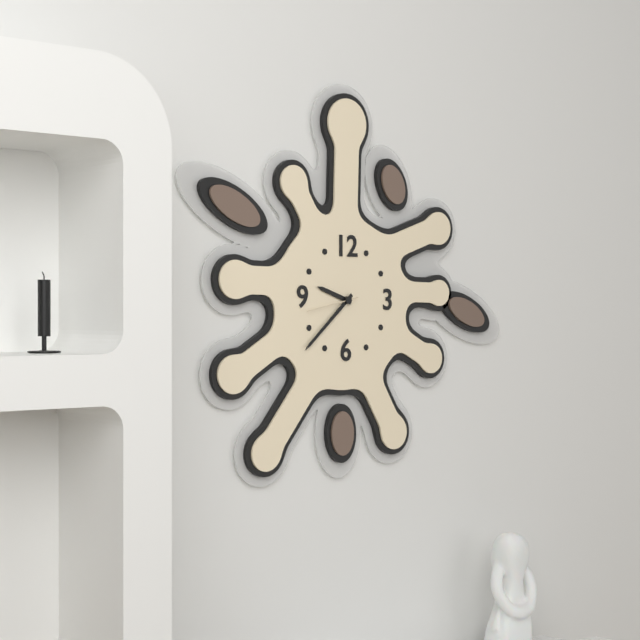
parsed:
9:38:43
